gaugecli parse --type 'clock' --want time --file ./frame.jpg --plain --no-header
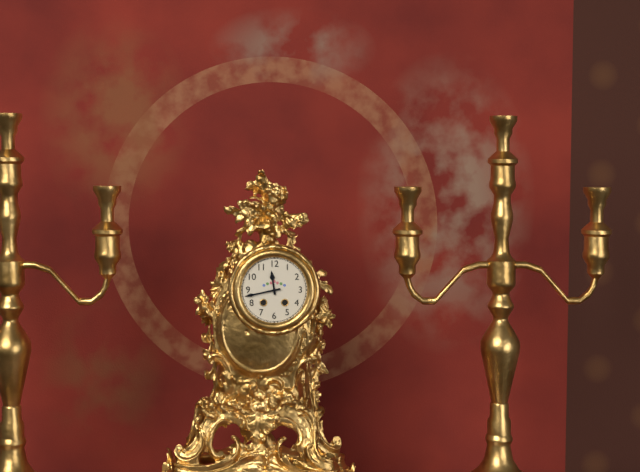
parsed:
11:43
